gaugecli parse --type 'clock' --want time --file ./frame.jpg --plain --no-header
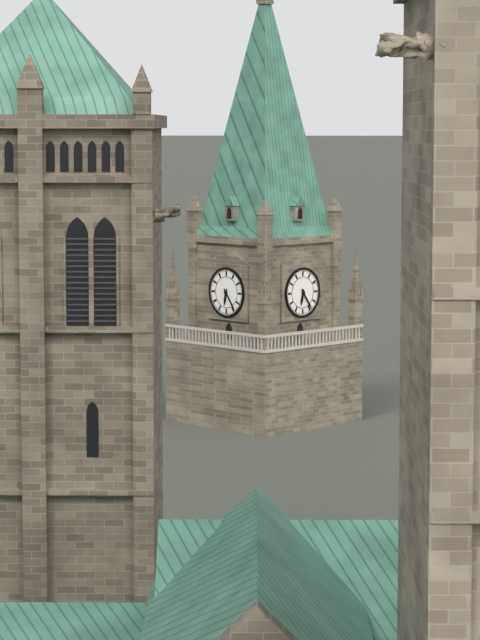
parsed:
6:24
